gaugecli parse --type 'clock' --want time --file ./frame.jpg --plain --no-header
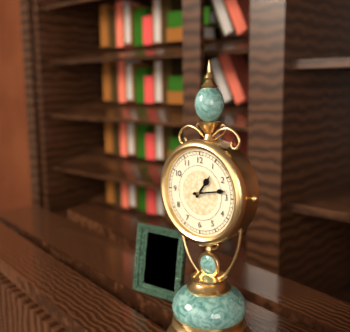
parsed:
1:13
